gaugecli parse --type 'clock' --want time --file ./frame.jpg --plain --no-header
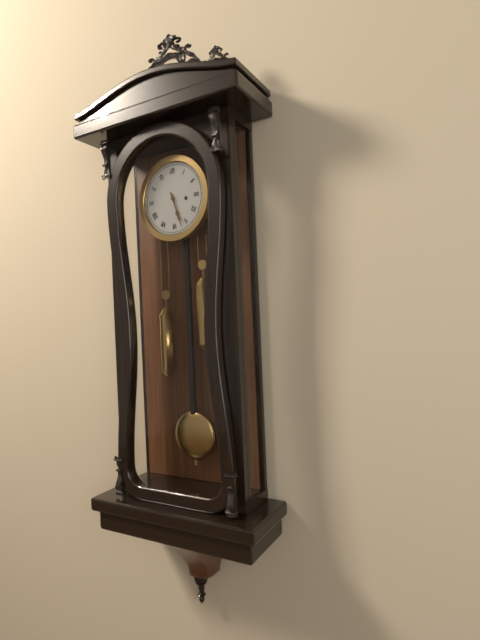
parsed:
5:27
